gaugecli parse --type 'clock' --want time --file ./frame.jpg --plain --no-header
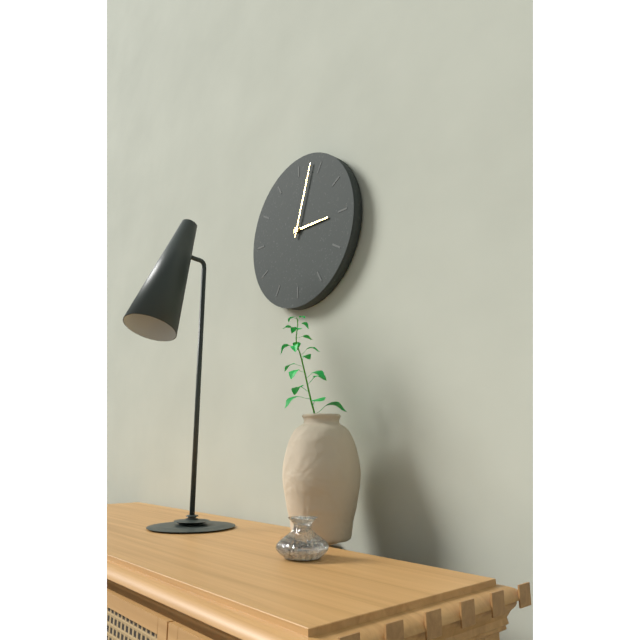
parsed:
3:03
